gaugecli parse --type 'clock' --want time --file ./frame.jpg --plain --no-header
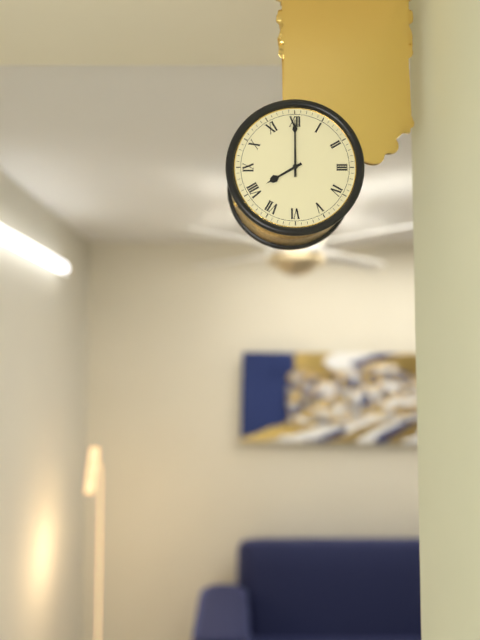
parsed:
8:00
